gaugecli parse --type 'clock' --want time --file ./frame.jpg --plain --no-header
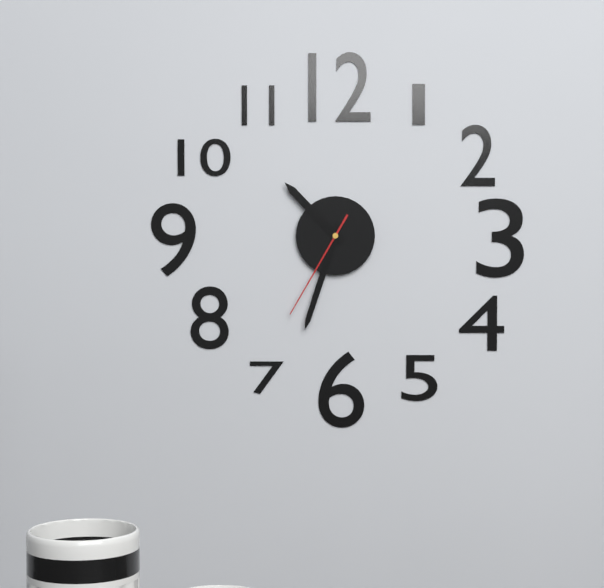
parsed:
10:33:35
